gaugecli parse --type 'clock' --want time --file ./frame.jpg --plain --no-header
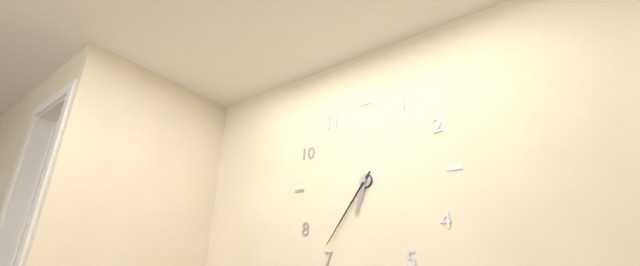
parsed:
6:36
